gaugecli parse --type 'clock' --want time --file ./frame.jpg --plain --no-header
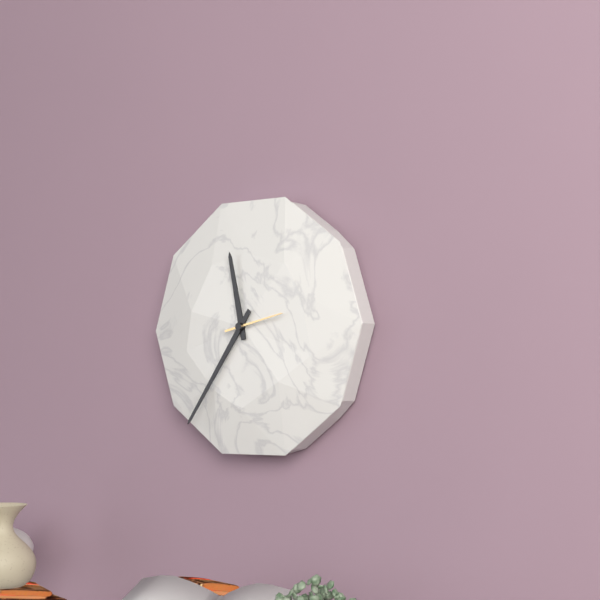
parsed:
11:36:13
